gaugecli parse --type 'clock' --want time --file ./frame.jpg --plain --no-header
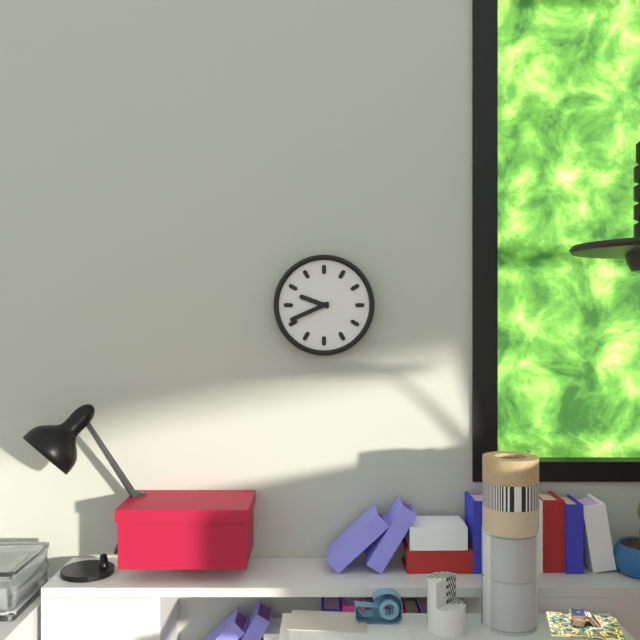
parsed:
9:41
